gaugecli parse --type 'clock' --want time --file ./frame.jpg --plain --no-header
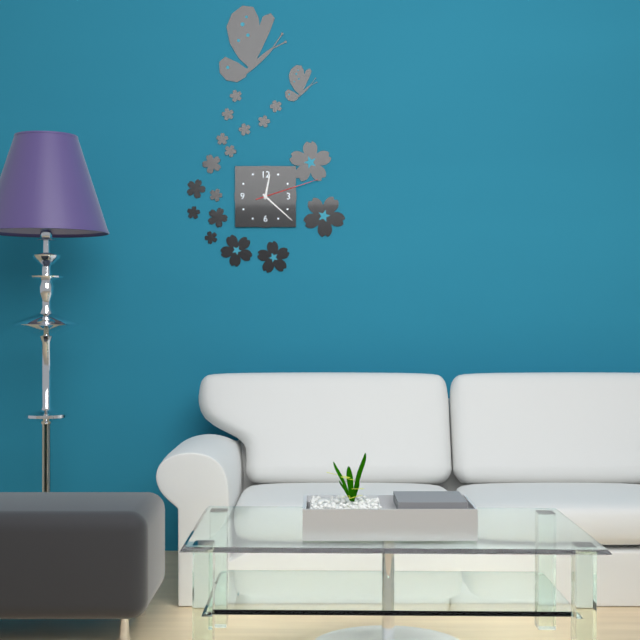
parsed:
12:22:12
